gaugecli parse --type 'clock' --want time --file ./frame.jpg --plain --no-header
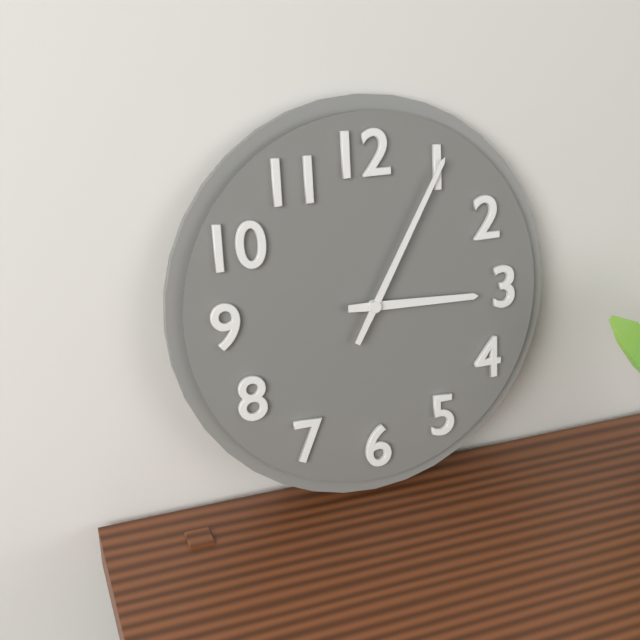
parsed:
3:05
